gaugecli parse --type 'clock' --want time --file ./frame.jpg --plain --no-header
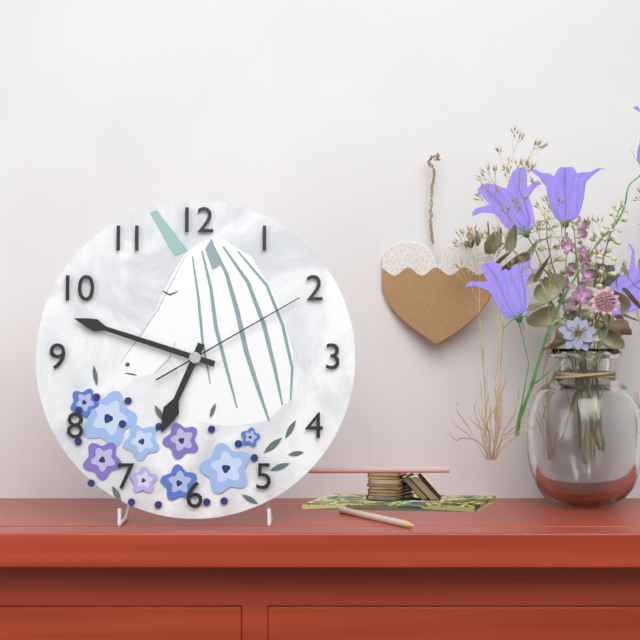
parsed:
6:48:10
